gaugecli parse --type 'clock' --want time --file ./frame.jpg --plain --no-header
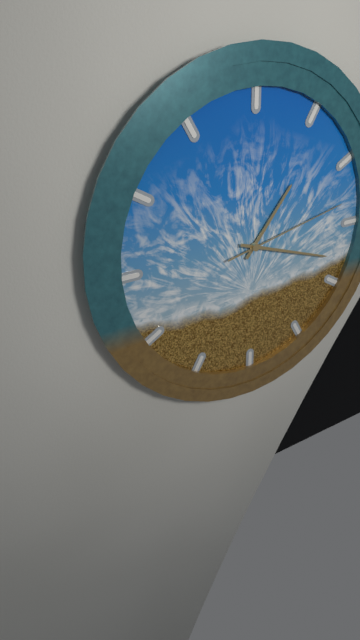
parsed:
1:18:13
